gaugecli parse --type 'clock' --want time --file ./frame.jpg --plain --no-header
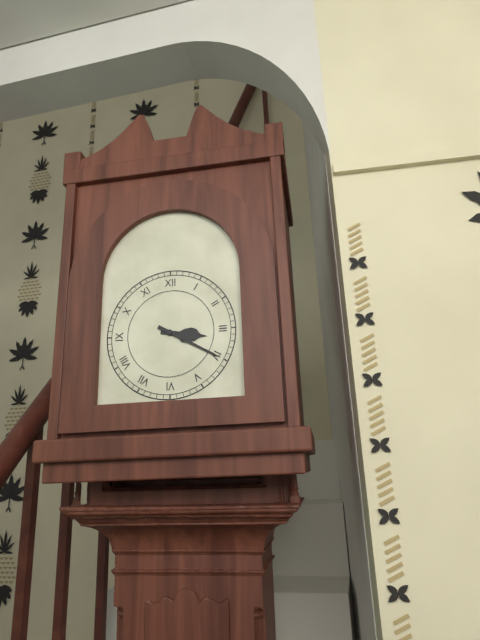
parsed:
3:20
